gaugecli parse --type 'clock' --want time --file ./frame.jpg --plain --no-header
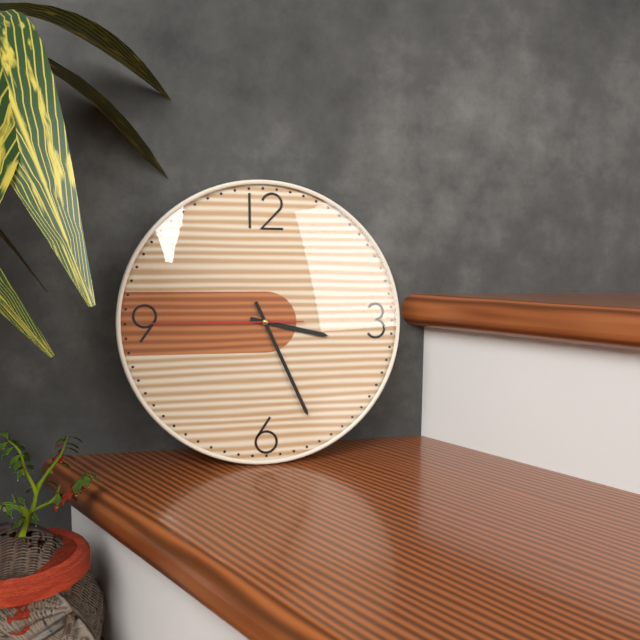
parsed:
3:26:45
